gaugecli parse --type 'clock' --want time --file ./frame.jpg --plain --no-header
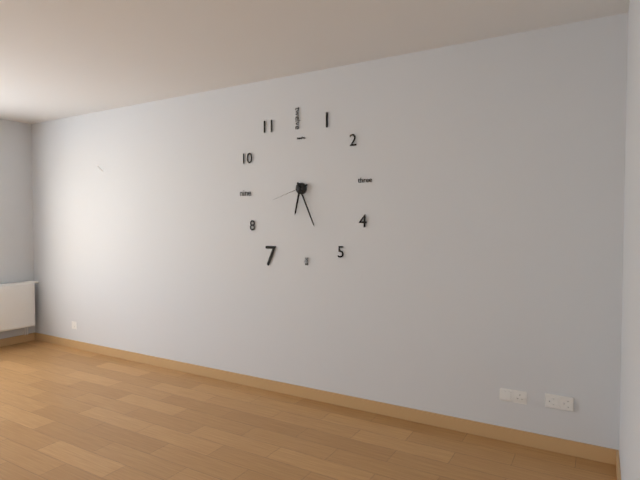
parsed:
6:26
